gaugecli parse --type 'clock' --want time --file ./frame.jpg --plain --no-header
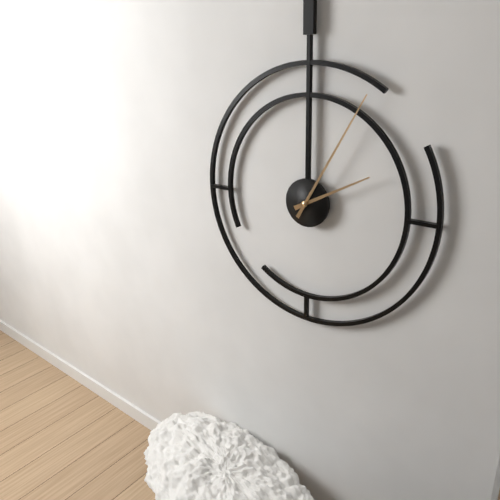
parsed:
2:05
